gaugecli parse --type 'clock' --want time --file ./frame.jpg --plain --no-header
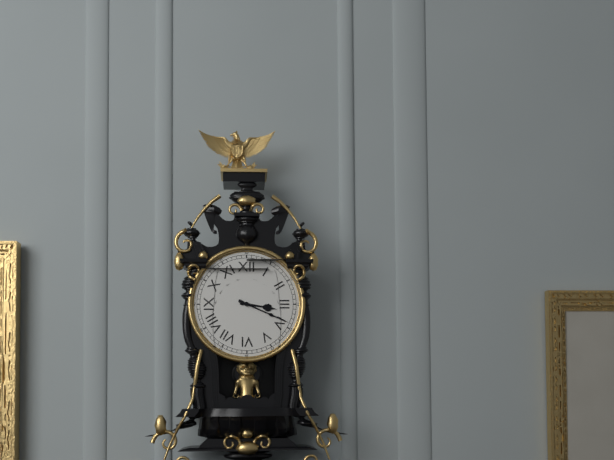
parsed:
3:19
